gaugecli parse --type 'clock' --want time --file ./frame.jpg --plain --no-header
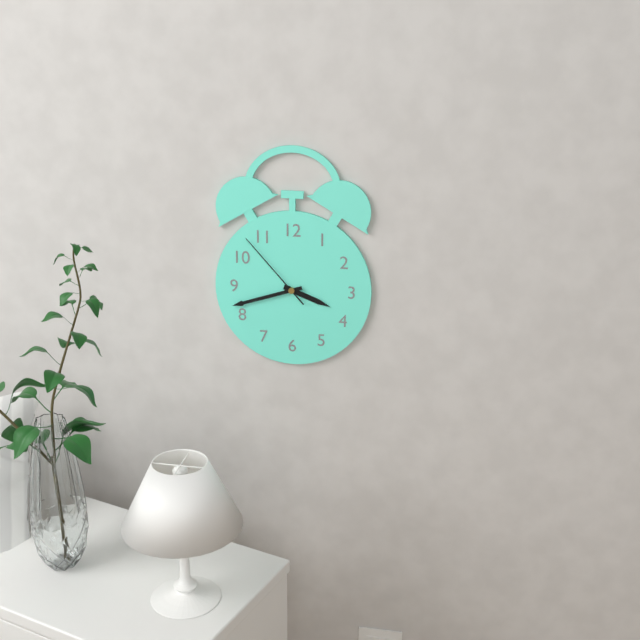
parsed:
3:42:53
